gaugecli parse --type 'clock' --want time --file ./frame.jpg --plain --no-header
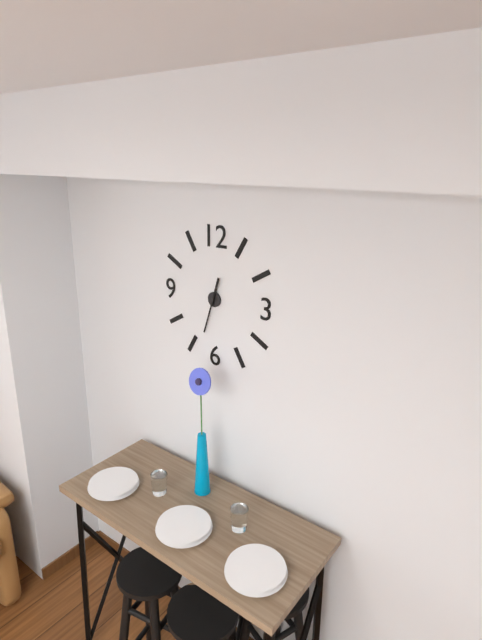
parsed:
12:33
